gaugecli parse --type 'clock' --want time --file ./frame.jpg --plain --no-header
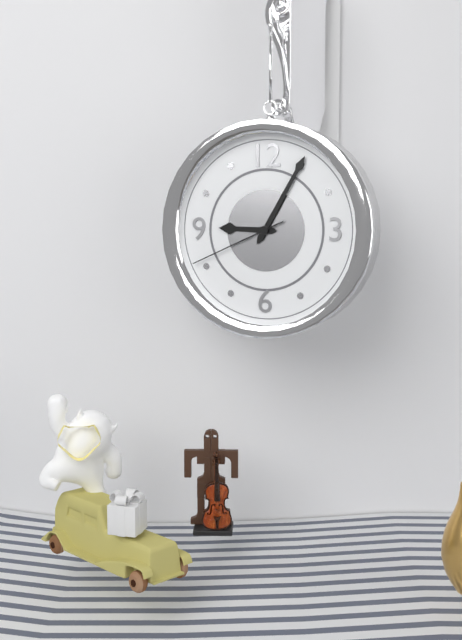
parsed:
9:05:41
